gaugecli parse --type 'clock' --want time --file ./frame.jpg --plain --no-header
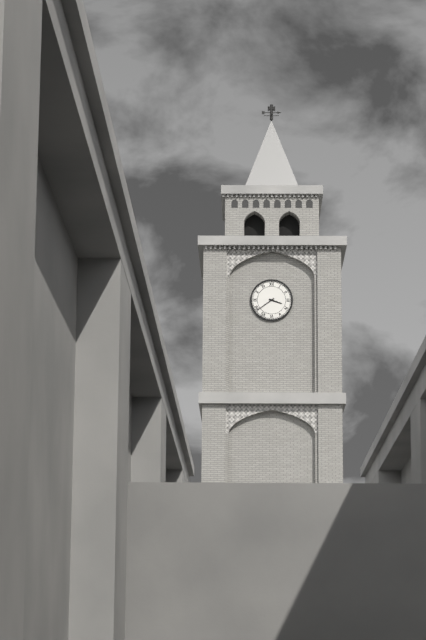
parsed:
3:39
